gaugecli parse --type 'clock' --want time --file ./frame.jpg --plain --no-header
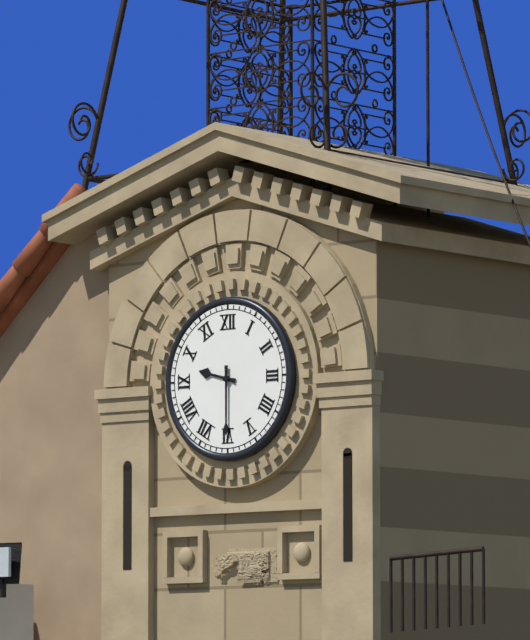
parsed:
9:30
